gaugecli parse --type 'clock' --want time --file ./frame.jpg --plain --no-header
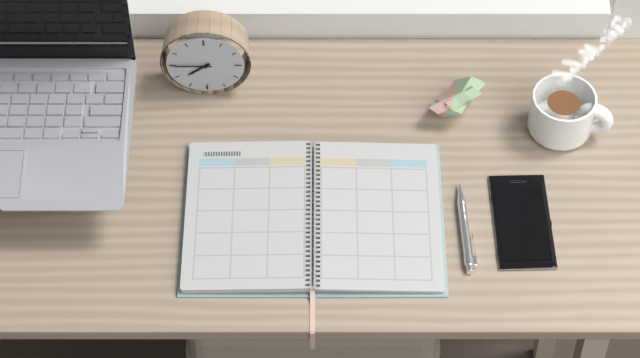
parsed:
7:45
